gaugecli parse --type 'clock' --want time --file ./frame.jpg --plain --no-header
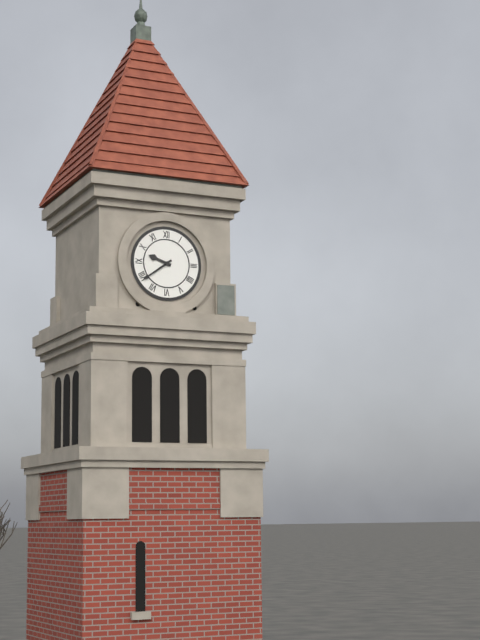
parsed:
9:39
